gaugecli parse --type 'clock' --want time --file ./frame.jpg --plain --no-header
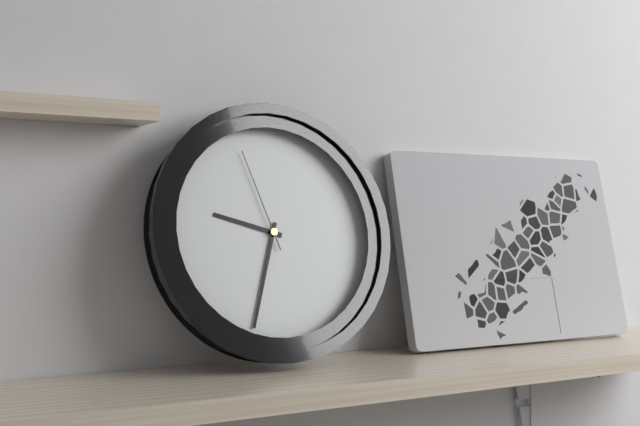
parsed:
9:33:57
